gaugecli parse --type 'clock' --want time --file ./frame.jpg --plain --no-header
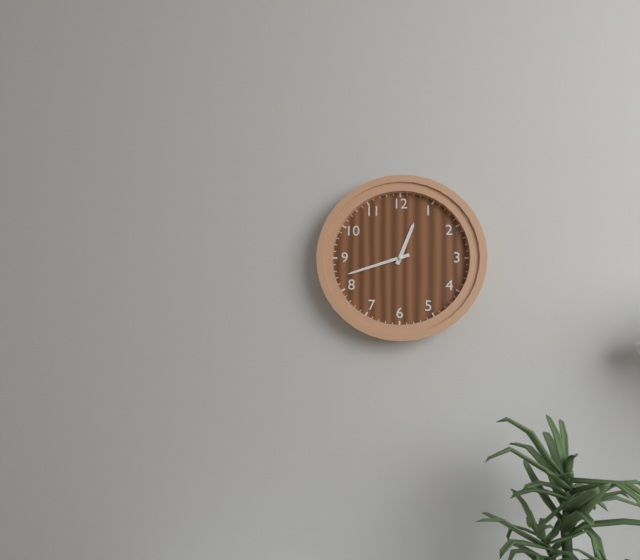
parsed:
12:42
